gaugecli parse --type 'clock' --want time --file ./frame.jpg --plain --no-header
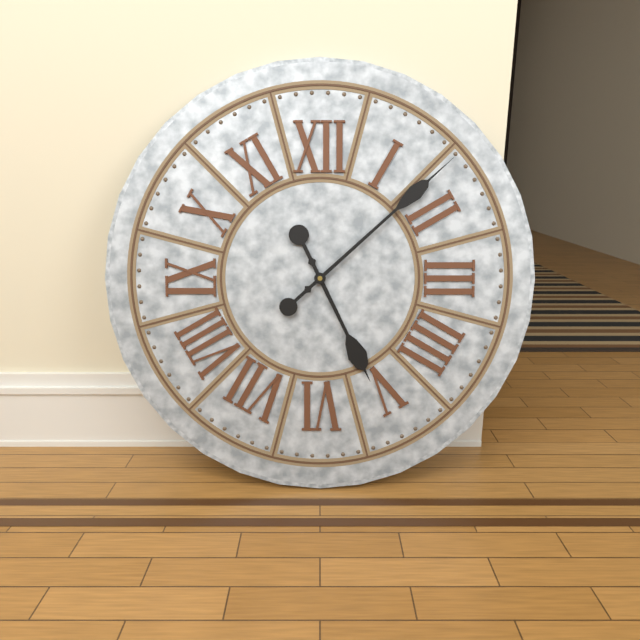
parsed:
5:08
